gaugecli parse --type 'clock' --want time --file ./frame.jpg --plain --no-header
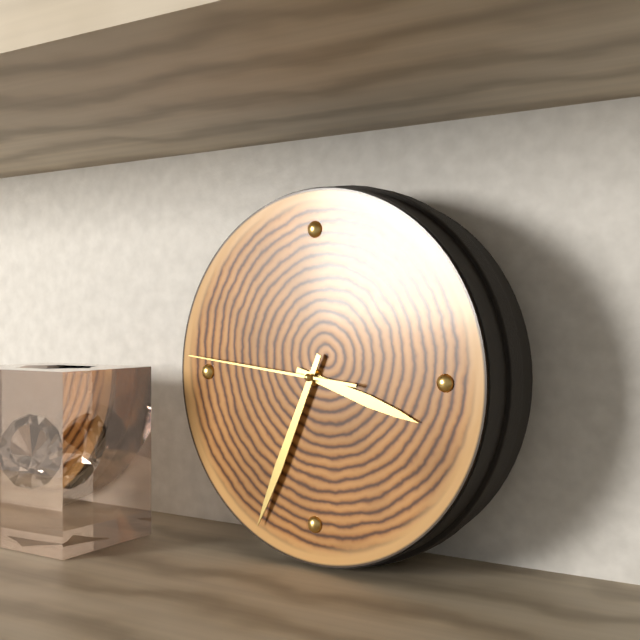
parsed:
3:34:46
